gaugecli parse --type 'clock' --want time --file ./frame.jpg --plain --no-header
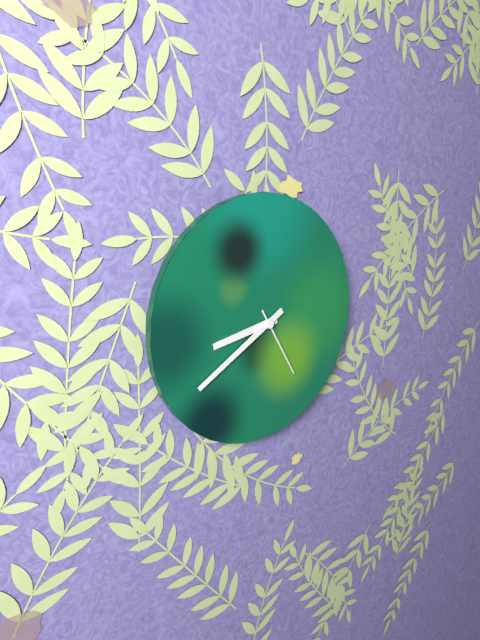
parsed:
8:40:25
